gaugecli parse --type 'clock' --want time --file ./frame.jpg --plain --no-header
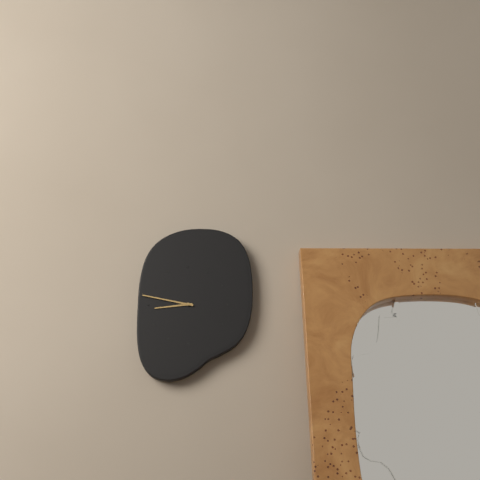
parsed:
8:47
